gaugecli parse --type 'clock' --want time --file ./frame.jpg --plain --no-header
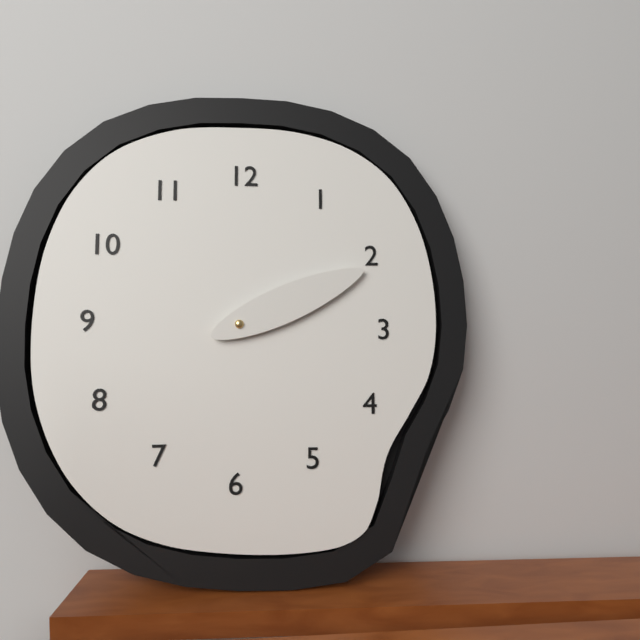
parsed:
2:11
